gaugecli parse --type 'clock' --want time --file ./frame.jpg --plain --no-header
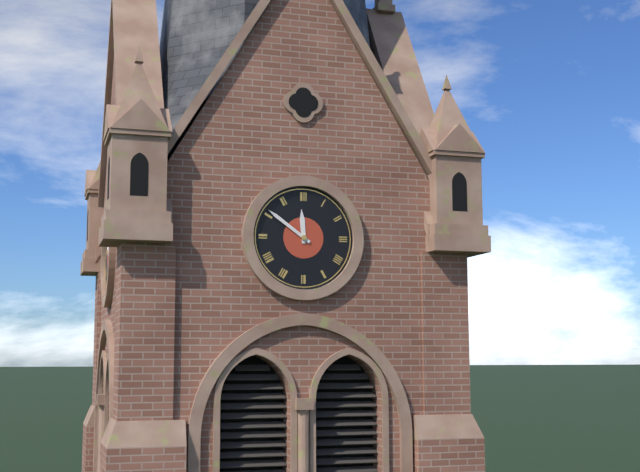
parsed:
11:51
